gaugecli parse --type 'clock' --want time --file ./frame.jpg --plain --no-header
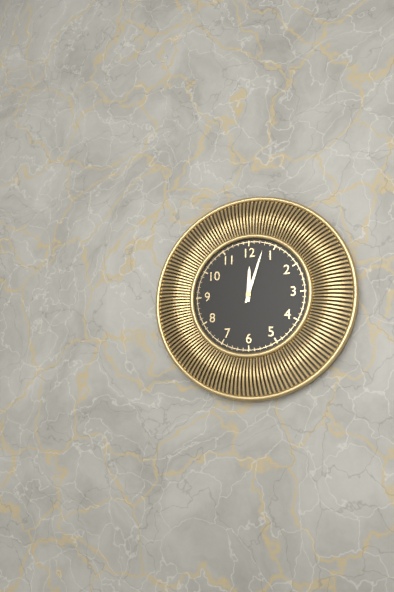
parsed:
12:03
